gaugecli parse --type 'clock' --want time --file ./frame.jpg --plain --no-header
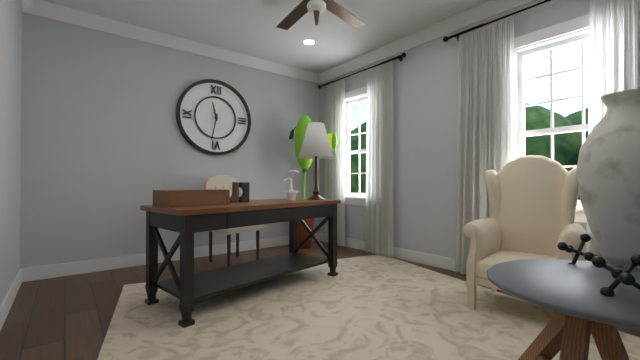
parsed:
11:32
